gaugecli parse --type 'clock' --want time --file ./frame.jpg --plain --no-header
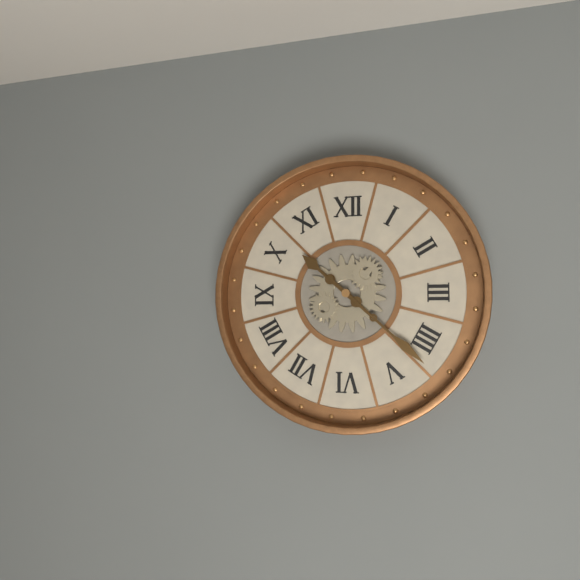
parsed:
10:22
